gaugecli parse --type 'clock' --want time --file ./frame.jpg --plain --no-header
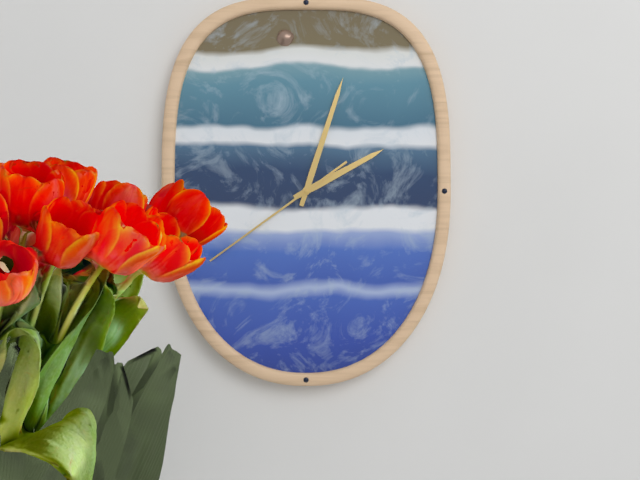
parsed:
2:03:39
